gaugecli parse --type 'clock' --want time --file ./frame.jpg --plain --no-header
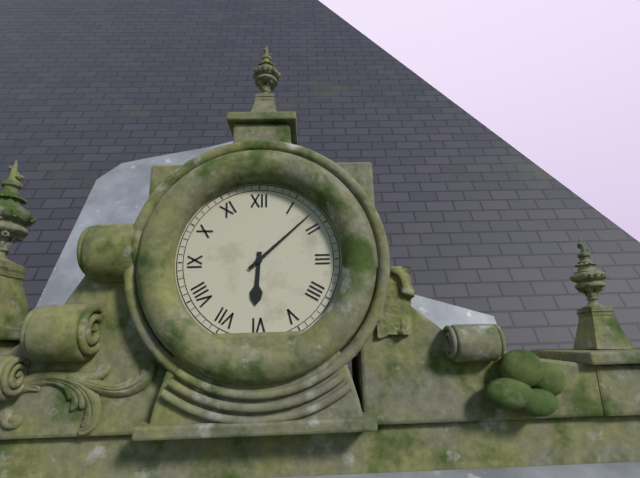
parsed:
6:08
